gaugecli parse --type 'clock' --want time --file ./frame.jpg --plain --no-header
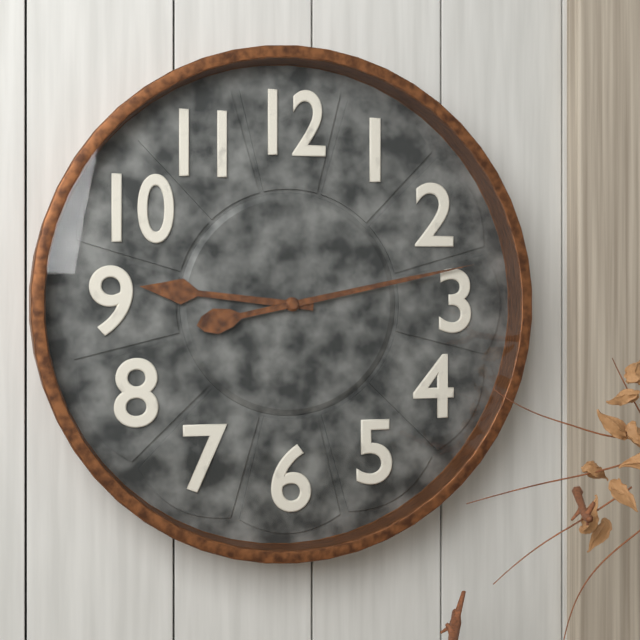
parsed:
9:13
